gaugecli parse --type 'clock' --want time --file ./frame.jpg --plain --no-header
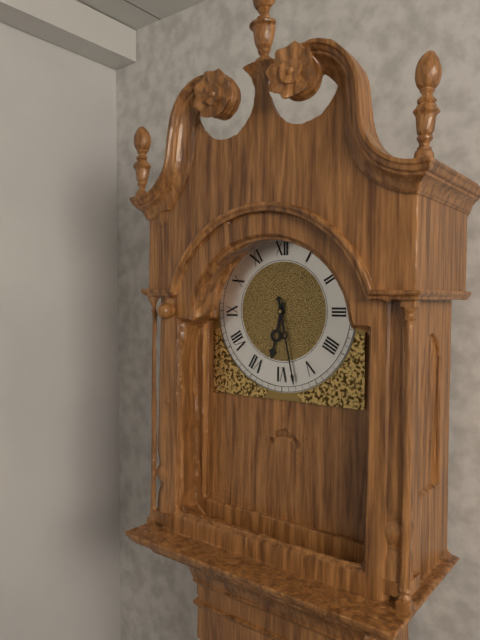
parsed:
6:28
